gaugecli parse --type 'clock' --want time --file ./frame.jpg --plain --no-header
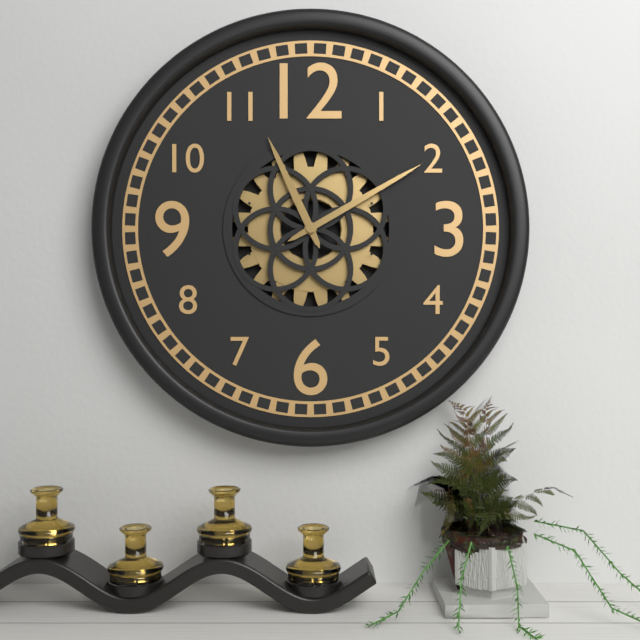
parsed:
11:10
